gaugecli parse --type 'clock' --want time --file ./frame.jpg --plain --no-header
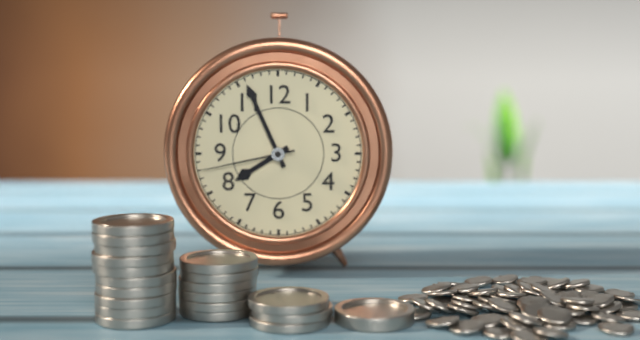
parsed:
7:56:43
